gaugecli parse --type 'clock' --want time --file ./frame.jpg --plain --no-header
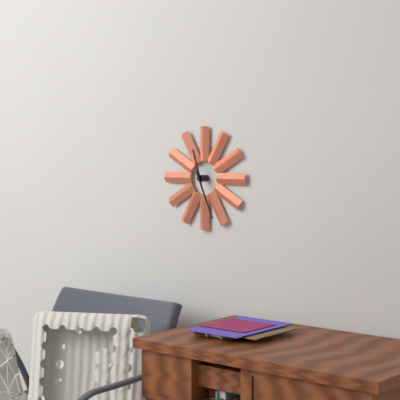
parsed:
11:26
